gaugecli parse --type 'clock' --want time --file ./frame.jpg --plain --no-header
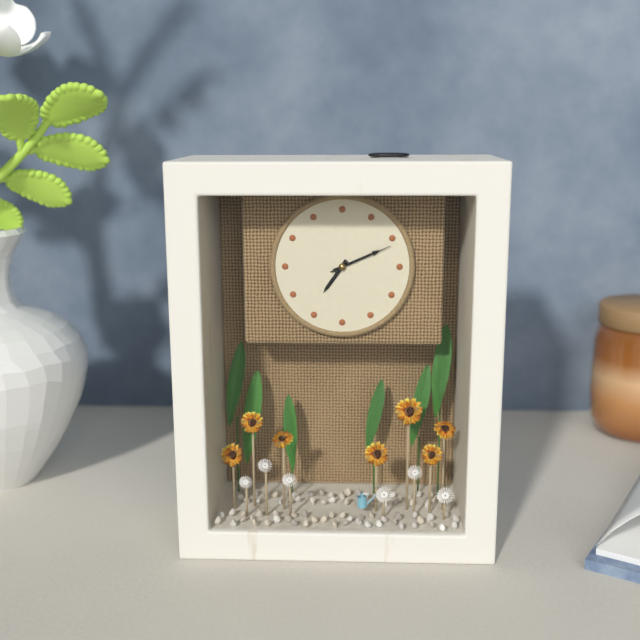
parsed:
7:11:11
